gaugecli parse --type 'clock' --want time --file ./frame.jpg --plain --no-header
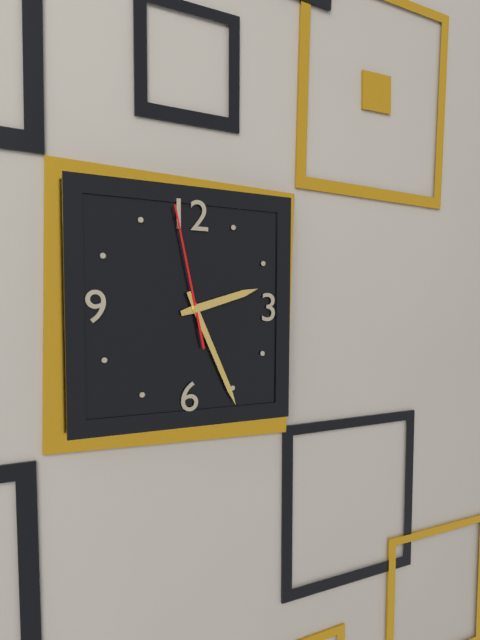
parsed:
2:26:58
